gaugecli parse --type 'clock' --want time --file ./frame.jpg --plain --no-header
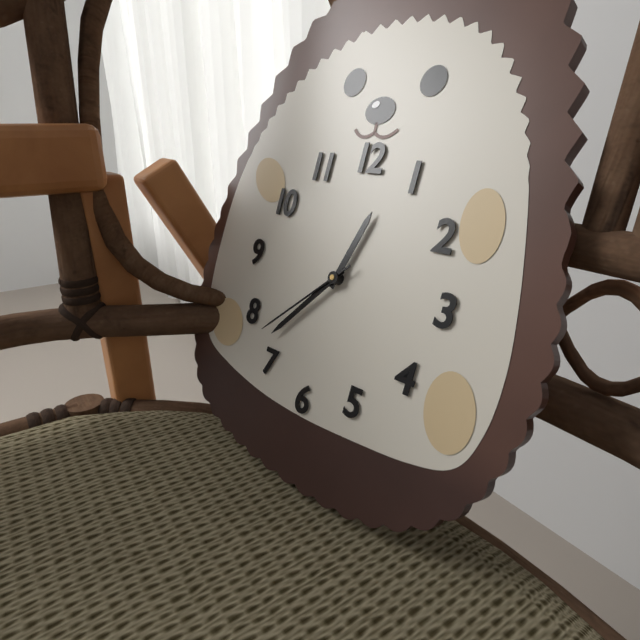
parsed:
12:37:38
